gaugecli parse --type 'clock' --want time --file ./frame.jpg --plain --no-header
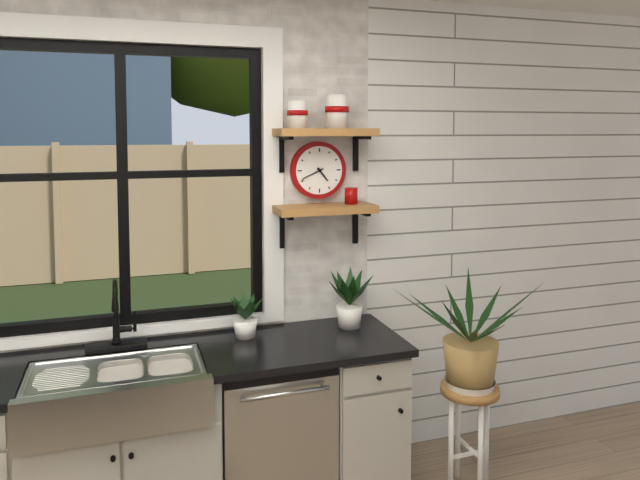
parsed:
4:41
